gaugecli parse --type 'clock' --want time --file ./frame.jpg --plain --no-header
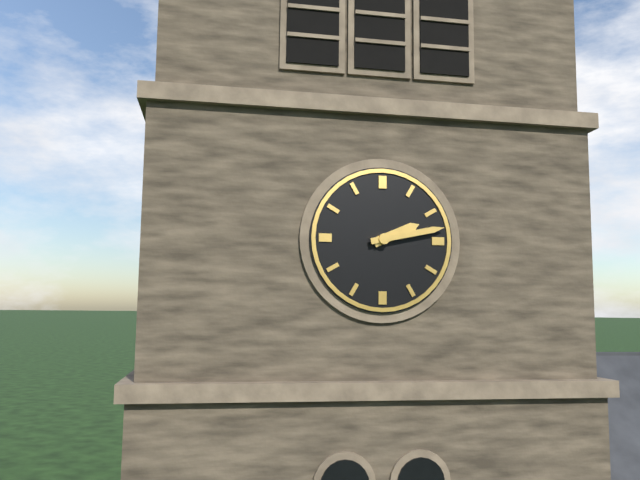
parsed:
2:13
